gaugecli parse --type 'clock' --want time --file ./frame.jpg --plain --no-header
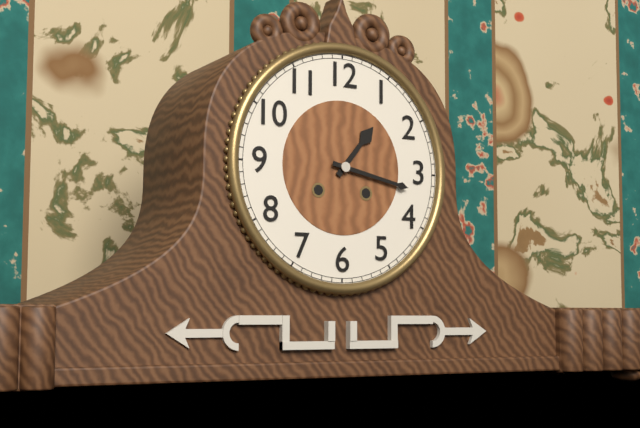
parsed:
1:17
